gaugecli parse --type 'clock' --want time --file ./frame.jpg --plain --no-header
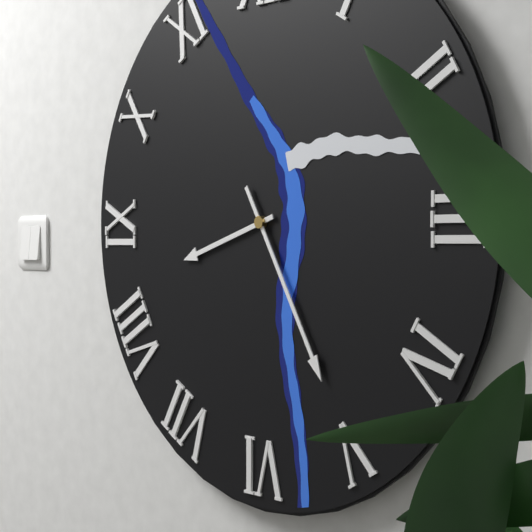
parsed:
8:25
